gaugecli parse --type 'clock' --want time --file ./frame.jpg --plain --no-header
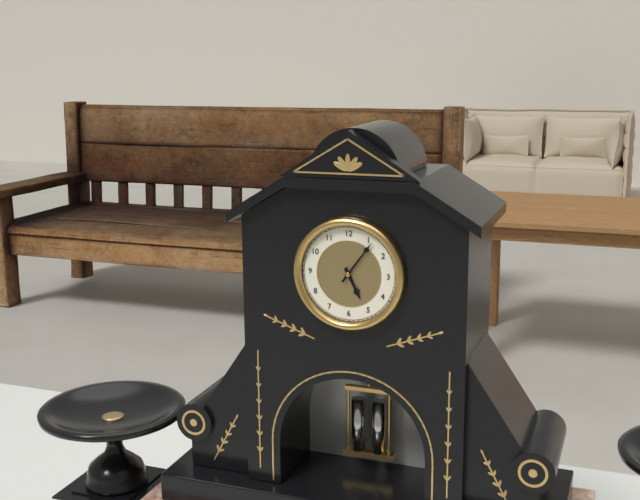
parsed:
5:06
